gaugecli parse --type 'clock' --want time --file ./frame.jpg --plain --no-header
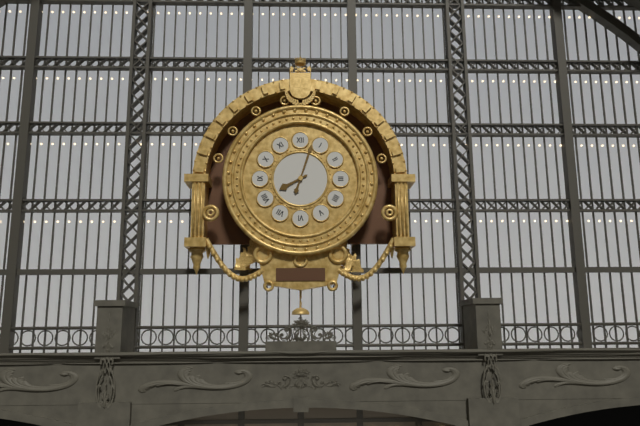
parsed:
8:03
